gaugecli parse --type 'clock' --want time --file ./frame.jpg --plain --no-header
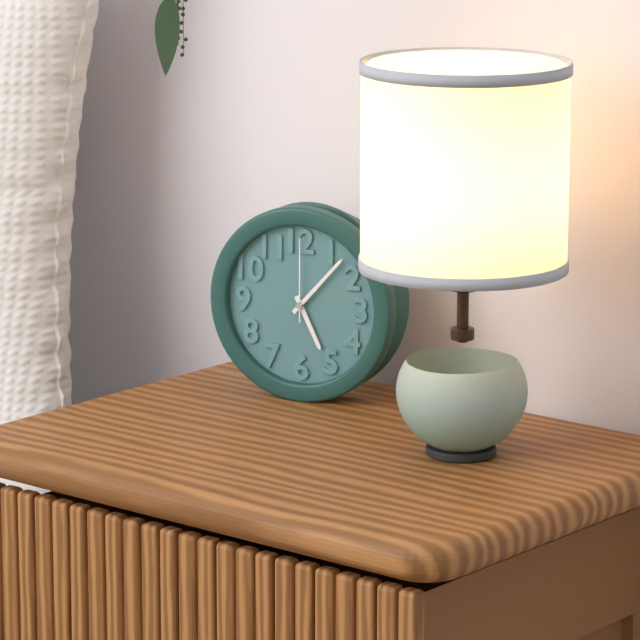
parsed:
5:07:00
